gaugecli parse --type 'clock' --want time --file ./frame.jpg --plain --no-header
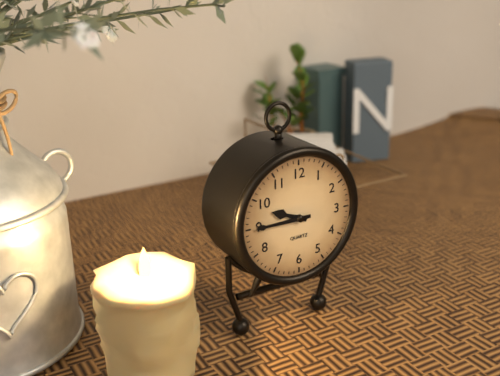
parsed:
9:45
